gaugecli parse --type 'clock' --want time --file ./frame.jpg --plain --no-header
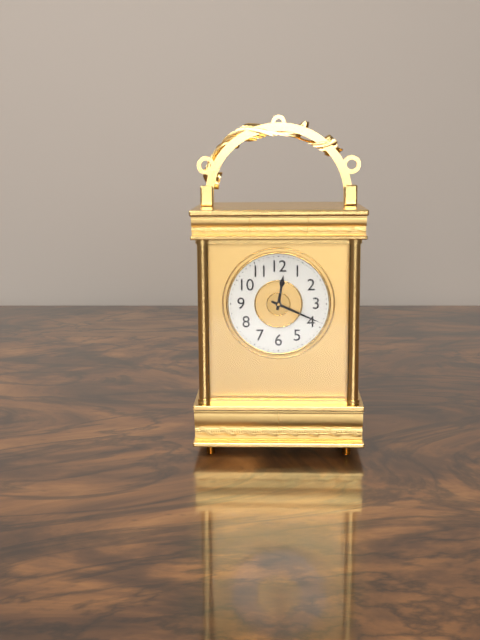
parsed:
12:19
